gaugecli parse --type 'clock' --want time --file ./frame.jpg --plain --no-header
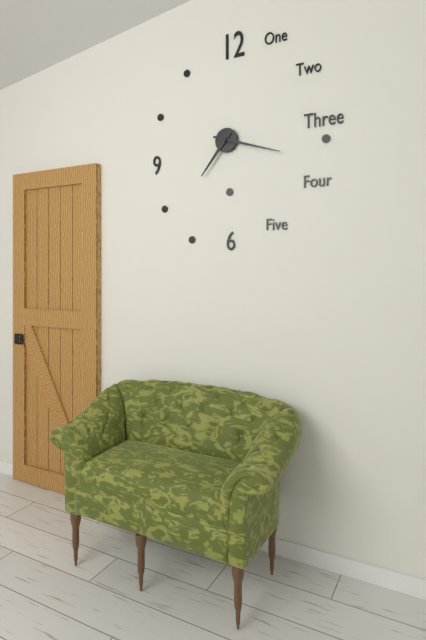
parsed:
7:18
